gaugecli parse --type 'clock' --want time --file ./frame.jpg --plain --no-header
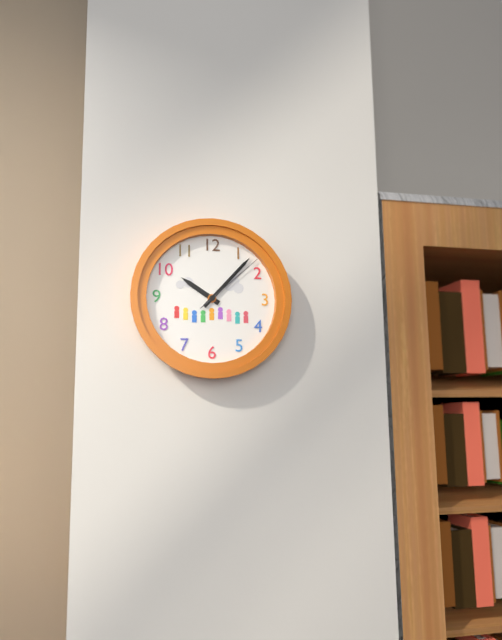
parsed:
10:07:08
